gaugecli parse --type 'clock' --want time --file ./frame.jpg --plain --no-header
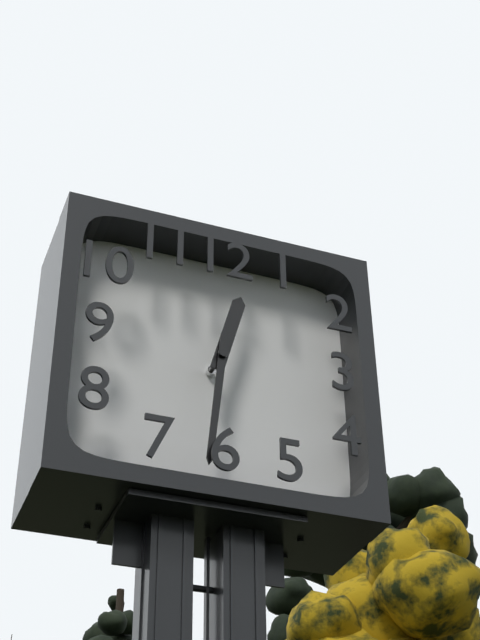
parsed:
12:31
